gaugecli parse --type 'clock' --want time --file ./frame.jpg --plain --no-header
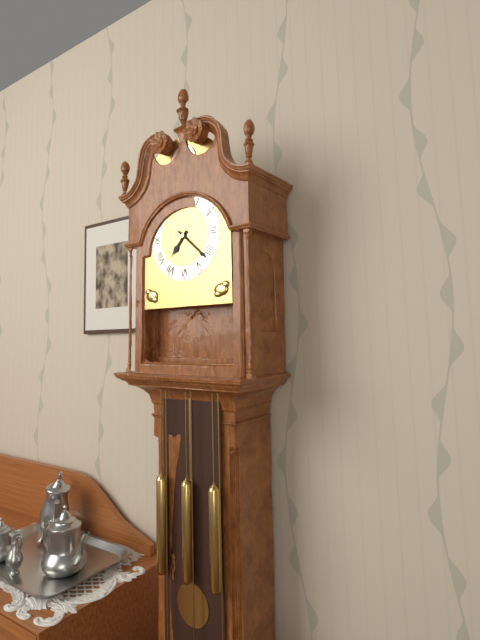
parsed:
7:22
